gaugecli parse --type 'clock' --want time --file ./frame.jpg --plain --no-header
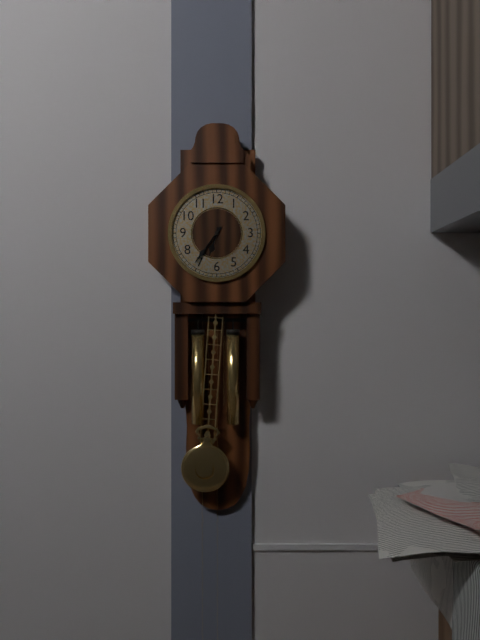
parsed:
6:36
